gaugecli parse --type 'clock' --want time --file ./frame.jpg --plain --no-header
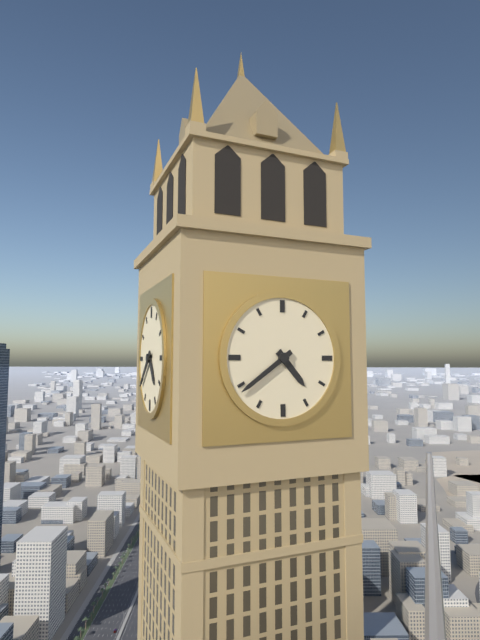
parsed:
4:39
